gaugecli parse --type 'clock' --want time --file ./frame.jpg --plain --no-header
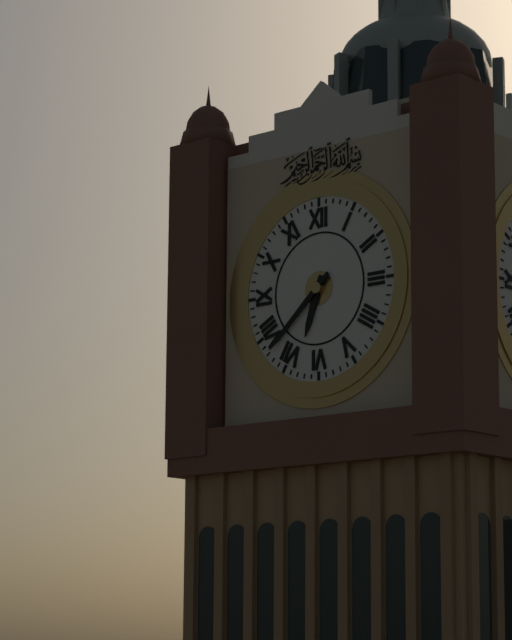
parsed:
6:38
